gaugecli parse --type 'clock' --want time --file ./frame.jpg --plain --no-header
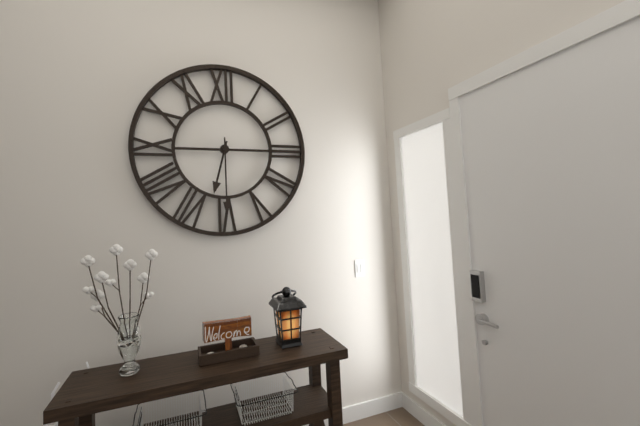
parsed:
6:30
